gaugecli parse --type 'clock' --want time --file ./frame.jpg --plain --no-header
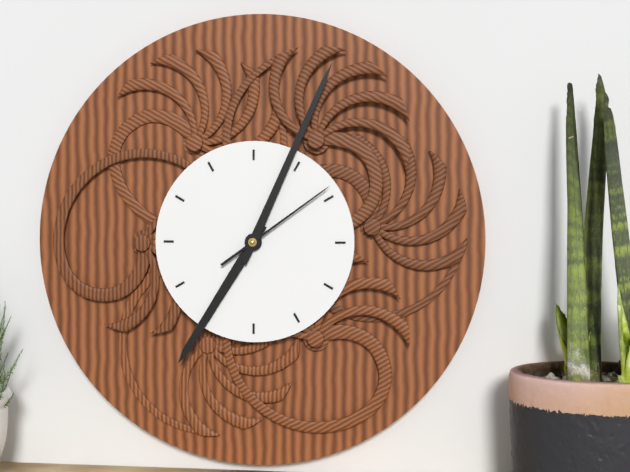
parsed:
7:04:09
